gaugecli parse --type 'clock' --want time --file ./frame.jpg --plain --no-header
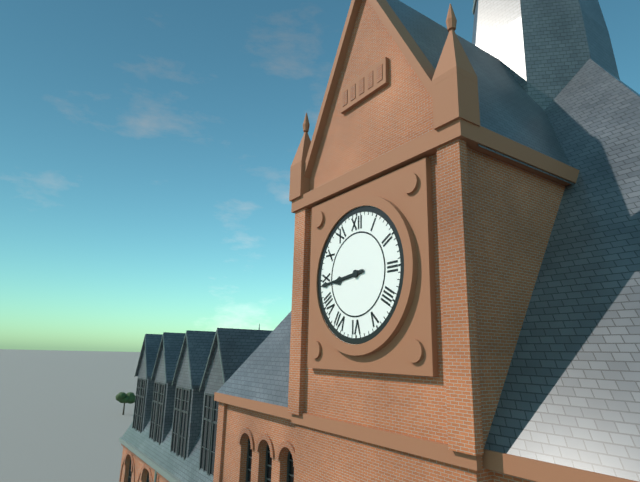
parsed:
8:44
